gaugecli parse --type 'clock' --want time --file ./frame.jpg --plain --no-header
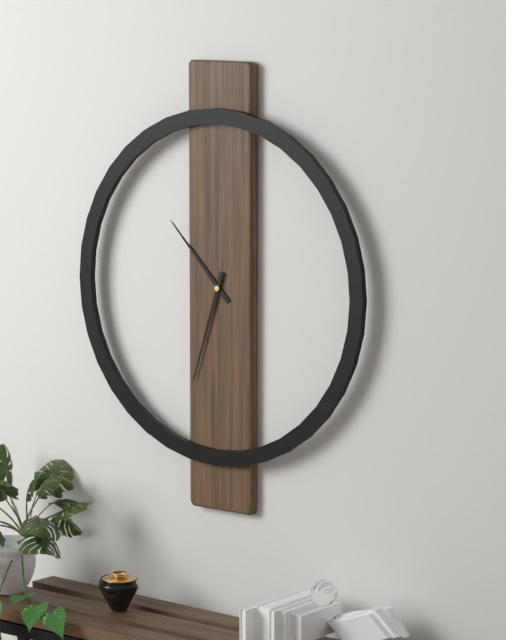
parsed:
10:33
